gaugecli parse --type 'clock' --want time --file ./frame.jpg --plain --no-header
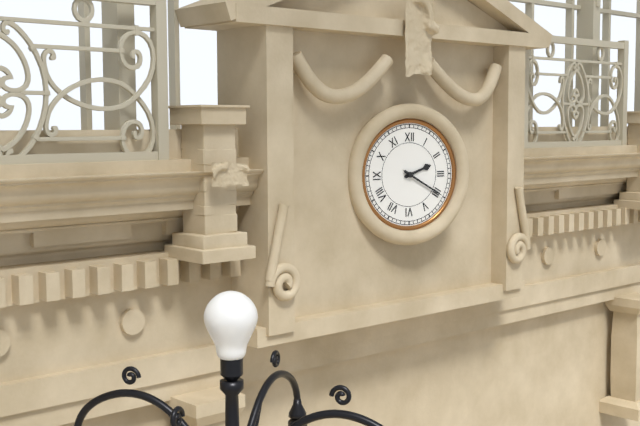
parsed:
2:20
